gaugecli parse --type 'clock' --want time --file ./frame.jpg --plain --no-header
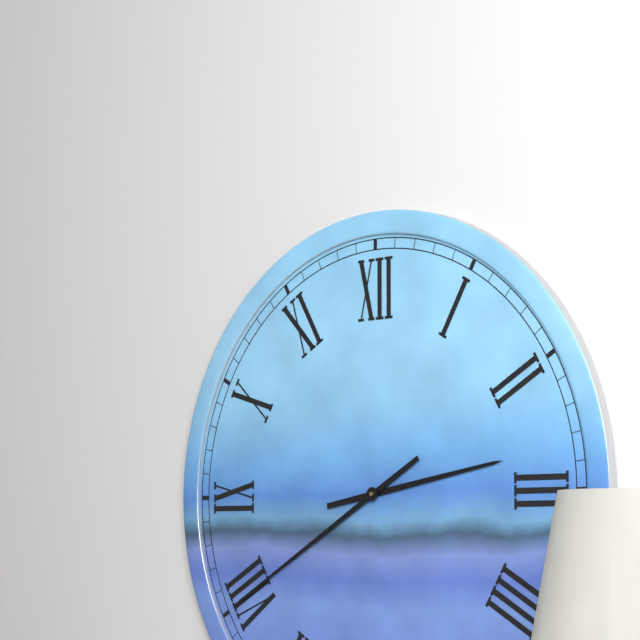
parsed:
2:40
